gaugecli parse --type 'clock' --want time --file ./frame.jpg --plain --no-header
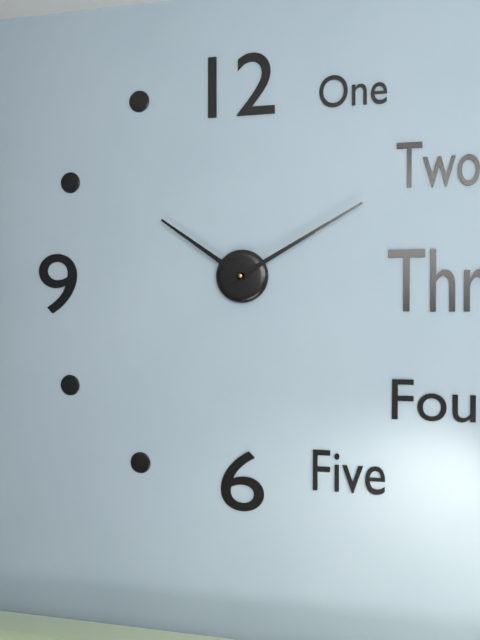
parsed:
10:10
